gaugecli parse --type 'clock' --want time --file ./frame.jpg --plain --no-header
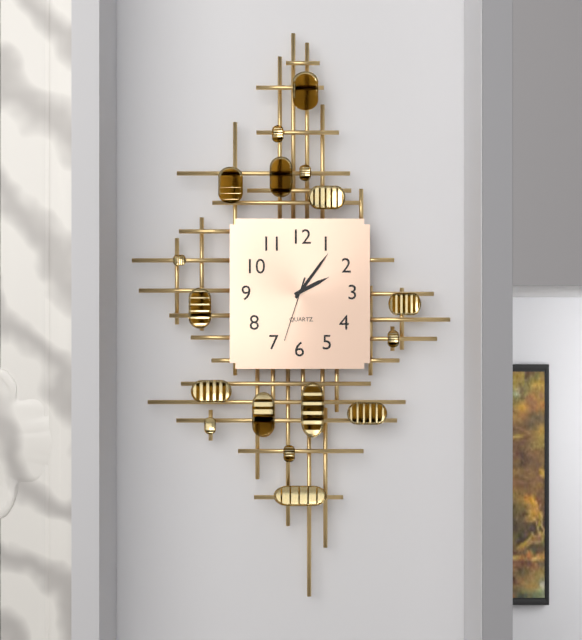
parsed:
2:06:33
